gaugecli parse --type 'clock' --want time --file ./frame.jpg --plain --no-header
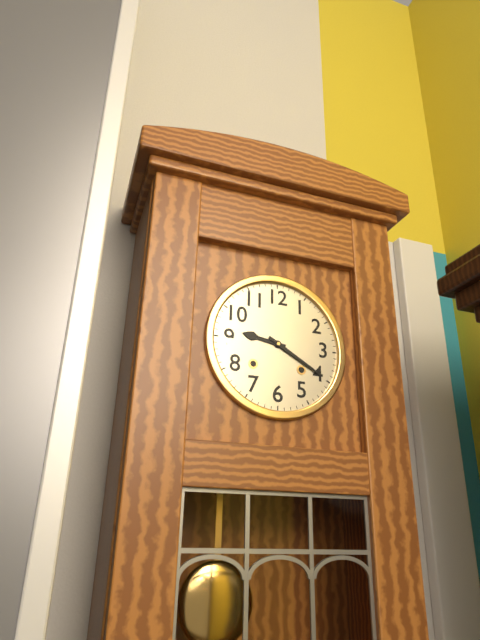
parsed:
9:20
